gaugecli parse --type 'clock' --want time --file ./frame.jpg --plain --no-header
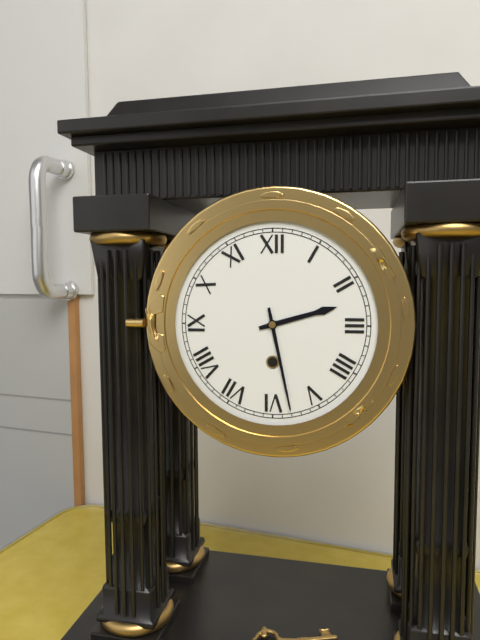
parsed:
2:28
